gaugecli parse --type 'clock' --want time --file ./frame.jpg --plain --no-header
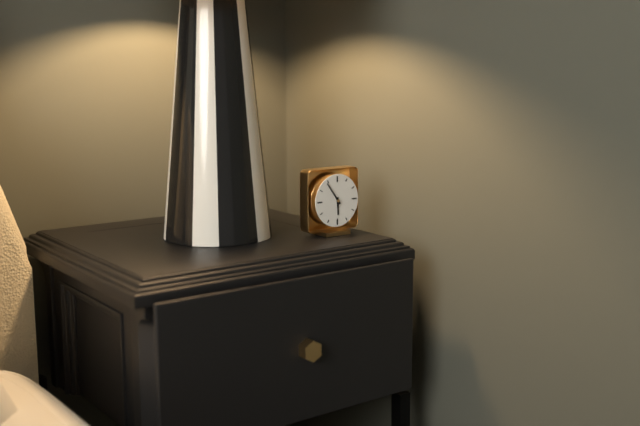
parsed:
5:54
